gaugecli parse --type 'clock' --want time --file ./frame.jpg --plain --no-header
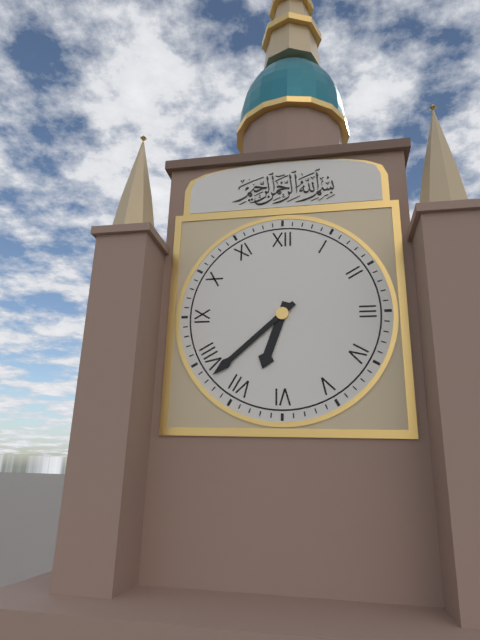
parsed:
6:38
